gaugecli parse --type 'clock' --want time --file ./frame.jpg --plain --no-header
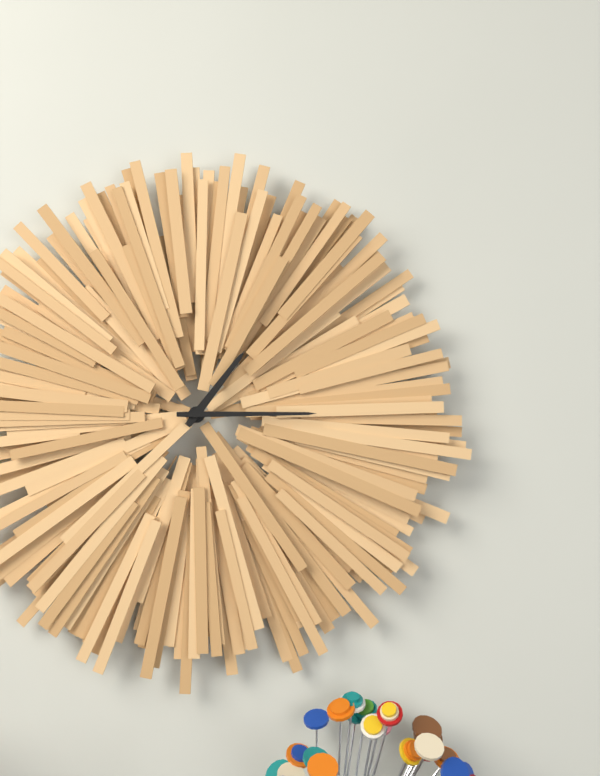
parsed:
1:15
